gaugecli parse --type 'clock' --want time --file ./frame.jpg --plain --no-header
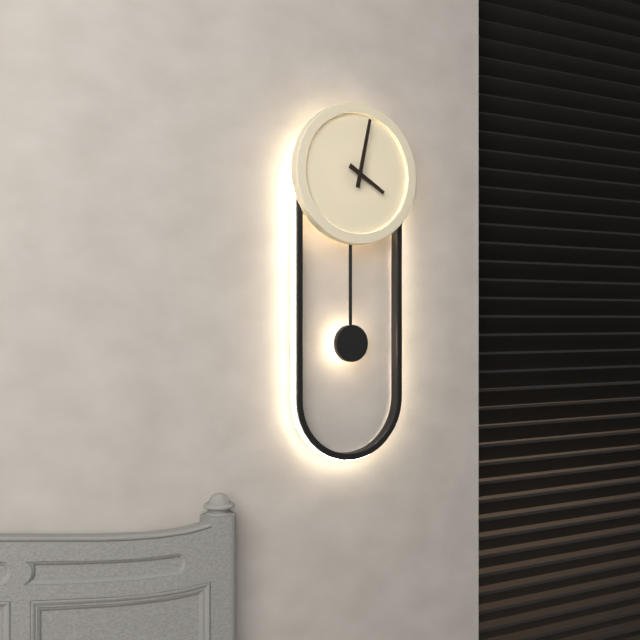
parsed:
4:02
